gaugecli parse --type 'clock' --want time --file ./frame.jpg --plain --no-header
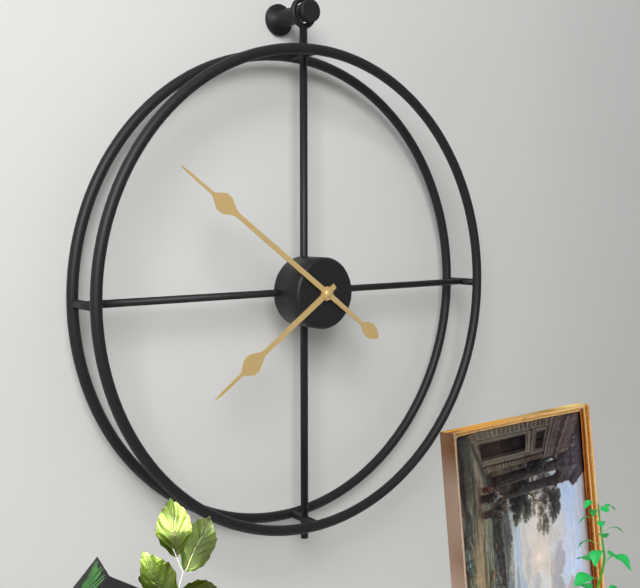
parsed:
7:51
